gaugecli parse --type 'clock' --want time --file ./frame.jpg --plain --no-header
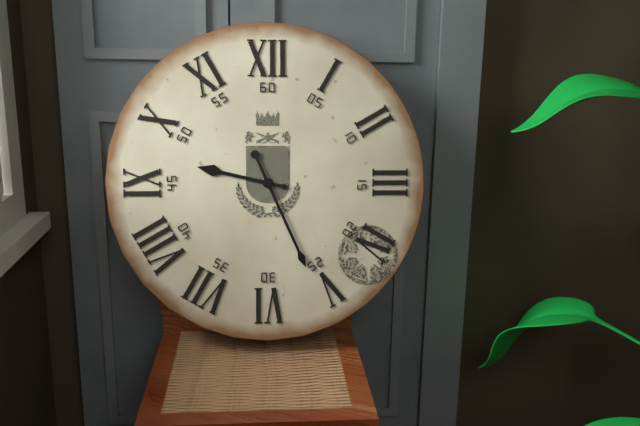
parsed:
9:26
